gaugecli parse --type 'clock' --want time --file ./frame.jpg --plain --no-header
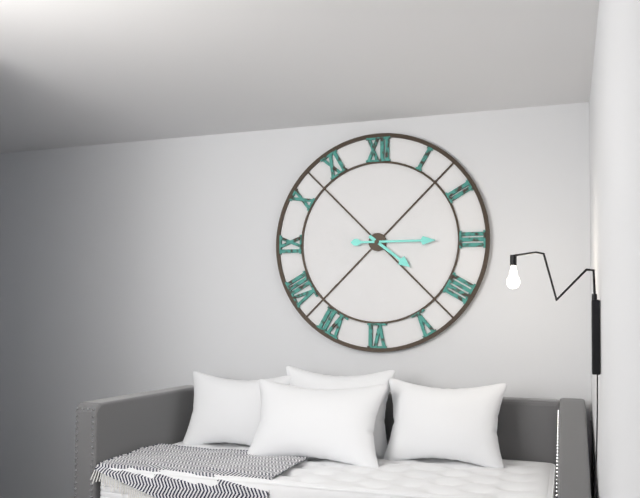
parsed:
4:15
